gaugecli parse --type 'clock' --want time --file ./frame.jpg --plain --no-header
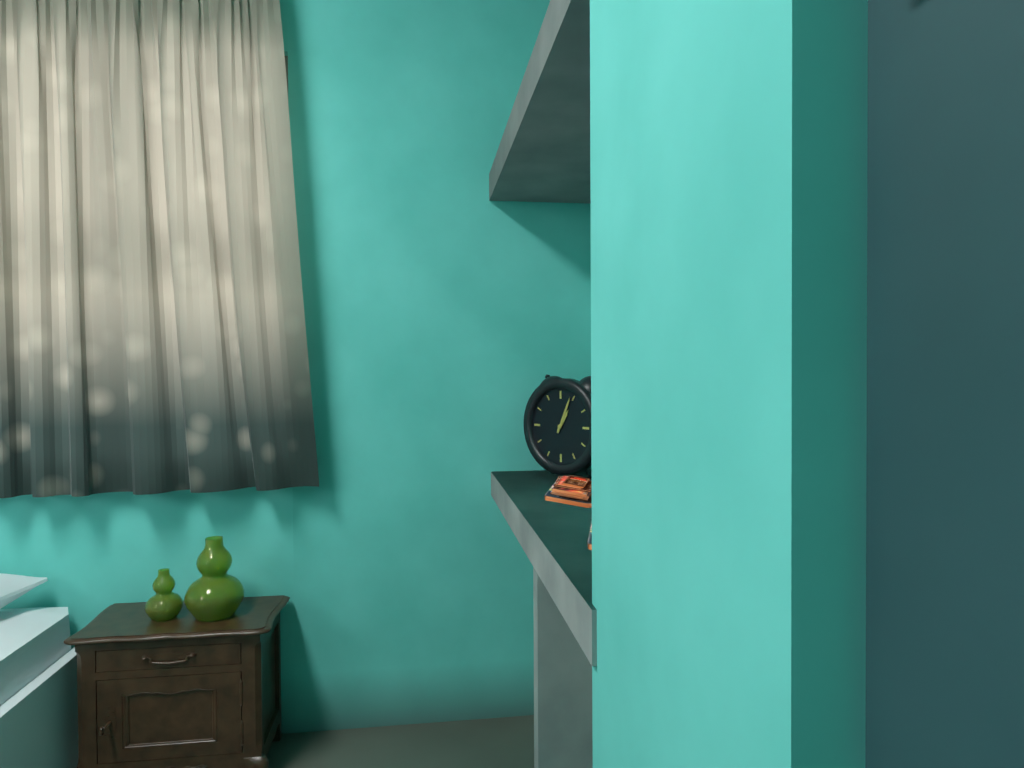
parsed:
1:04
